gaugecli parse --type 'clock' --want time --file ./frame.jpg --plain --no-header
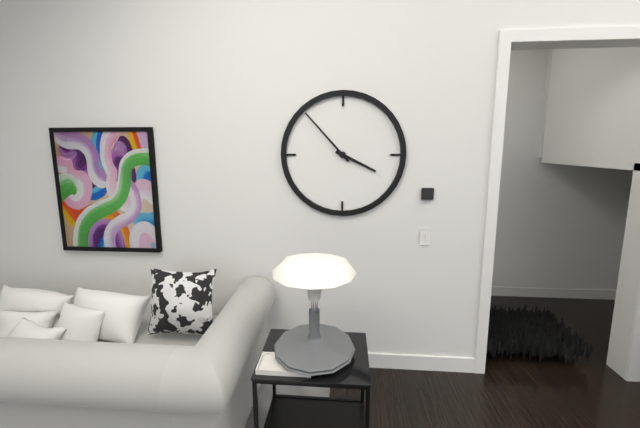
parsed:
3:53
